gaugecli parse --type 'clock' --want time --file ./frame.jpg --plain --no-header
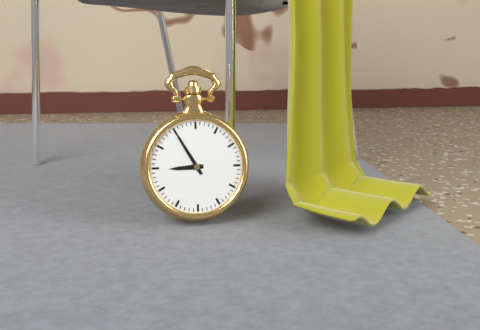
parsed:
8:55
